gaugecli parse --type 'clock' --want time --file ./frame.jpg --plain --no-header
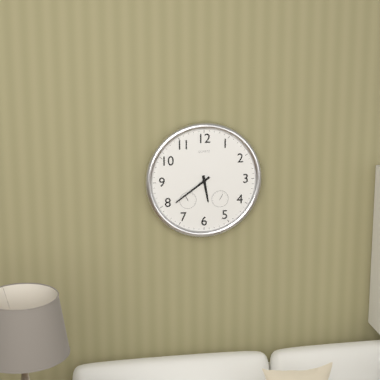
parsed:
5:39
